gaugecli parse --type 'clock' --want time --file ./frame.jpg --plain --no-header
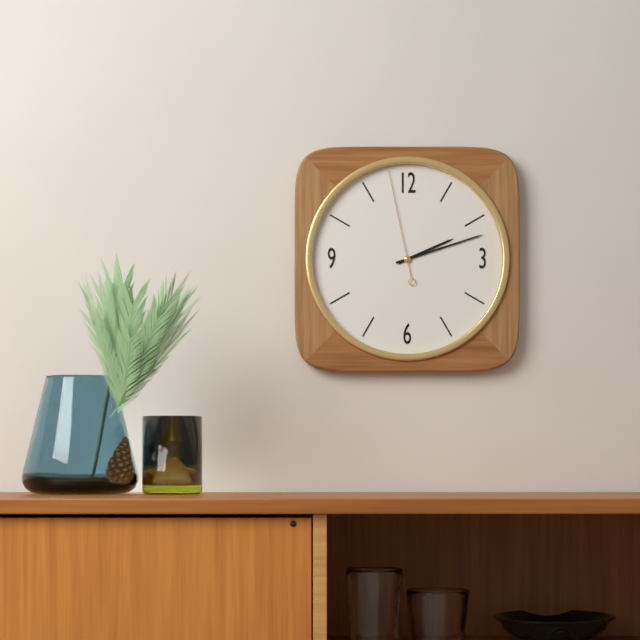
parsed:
2:12:58
